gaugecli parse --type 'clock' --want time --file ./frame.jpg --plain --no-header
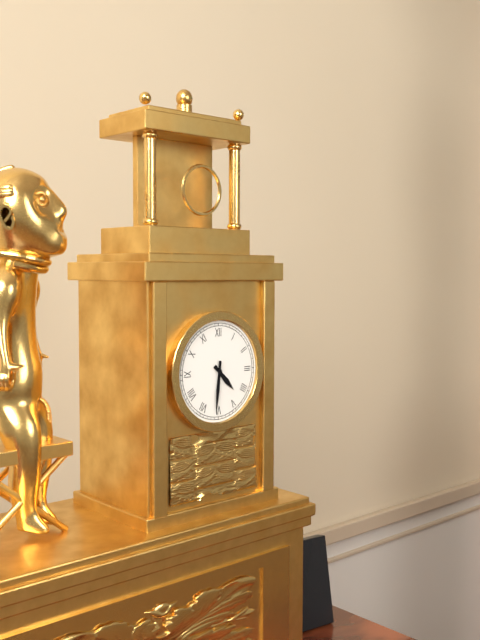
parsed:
4:31
